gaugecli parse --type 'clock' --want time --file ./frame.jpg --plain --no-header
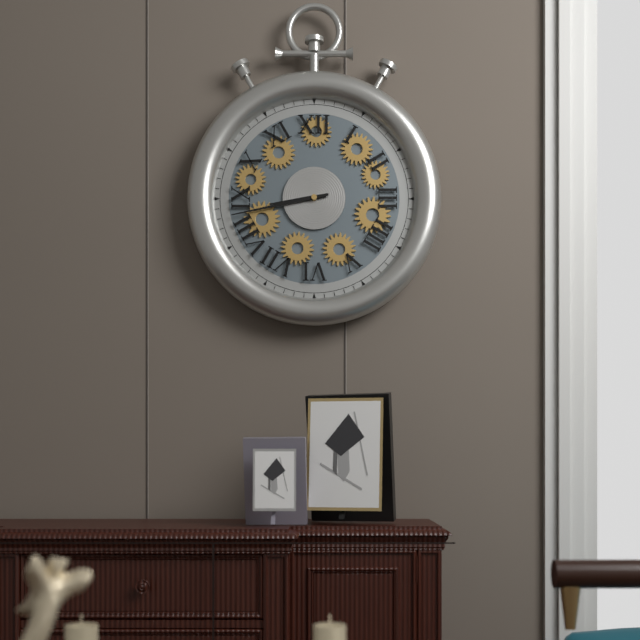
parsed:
8:43
